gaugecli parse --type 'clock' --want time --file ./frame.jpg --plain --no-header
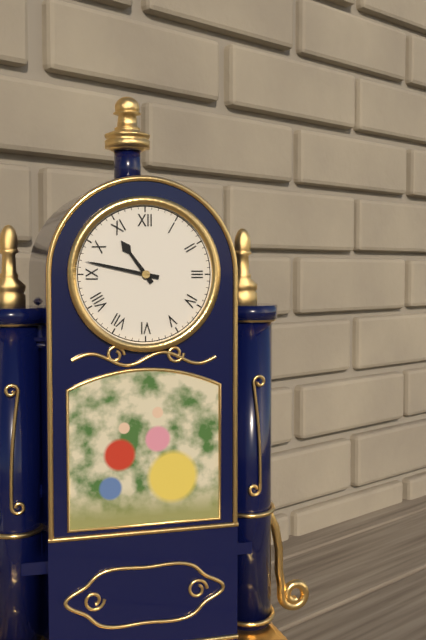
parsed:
10:47
